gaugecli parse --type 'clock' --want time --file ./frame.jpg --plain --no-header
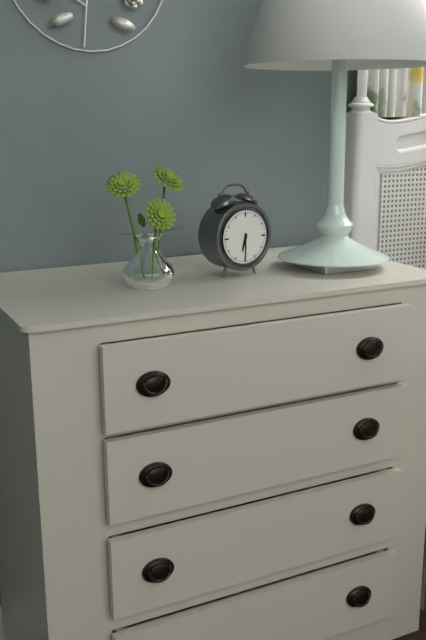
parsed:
6:30
